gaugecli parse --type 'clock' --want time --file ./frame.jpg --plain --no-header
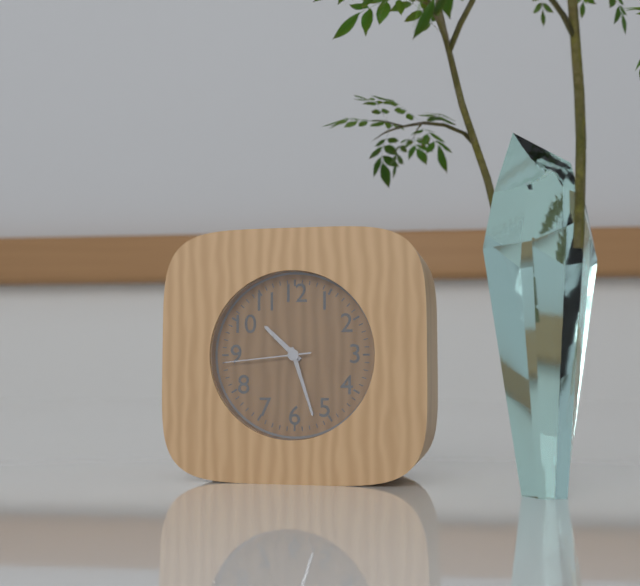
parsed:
10:27:44
